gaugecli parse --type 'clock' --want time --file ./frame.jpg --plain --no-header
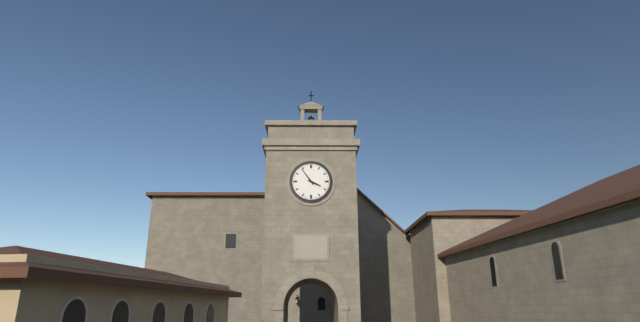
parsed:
3:54
